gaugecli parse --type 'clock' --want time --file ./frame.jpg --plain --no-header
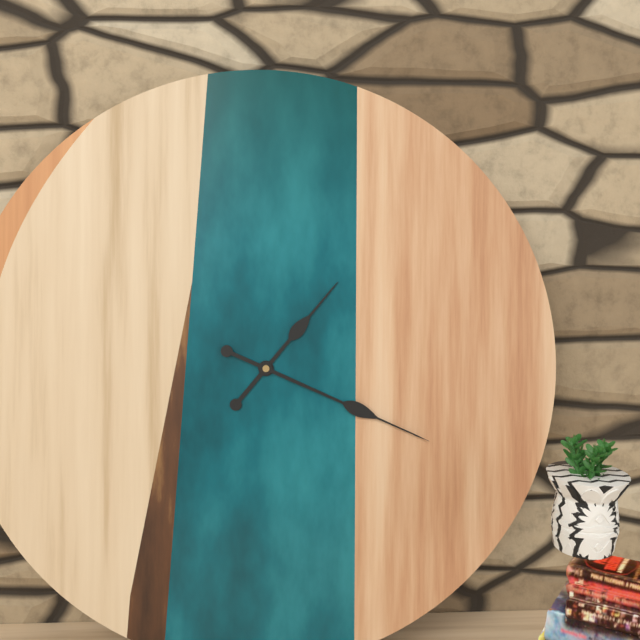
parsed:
1:19
